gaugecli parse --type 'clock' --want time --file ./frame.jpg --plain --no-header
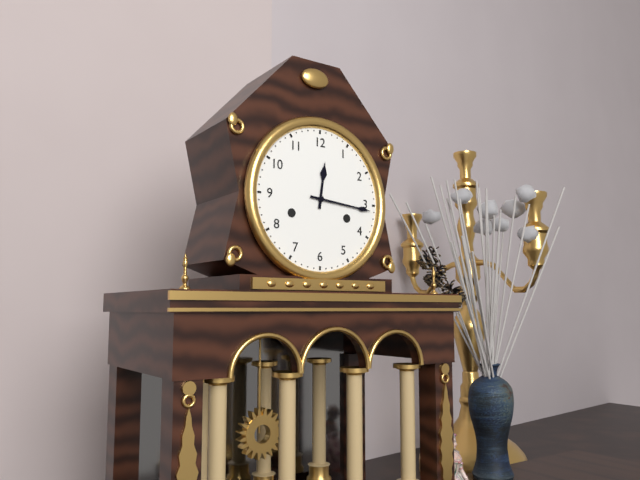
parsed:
12:16
